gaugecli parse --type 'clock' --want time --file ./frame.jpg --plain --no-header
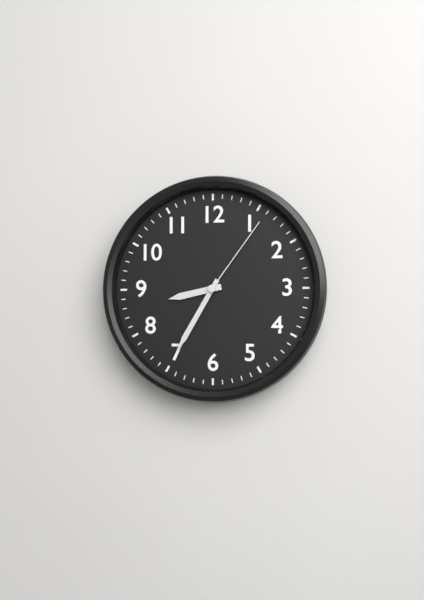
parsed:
8:35:06
